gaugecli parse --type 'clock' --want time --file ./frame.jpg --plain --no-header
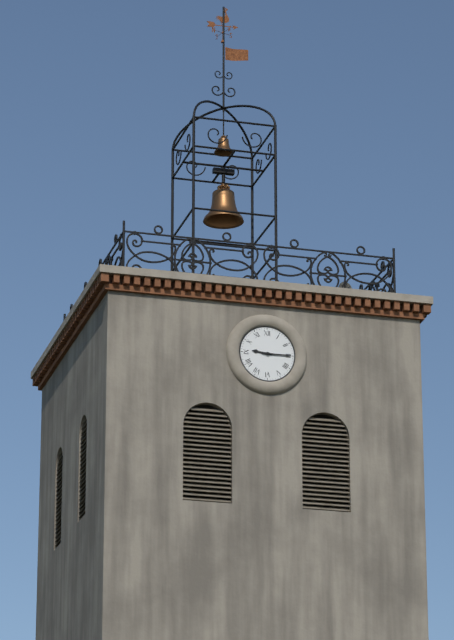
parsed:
9:15
